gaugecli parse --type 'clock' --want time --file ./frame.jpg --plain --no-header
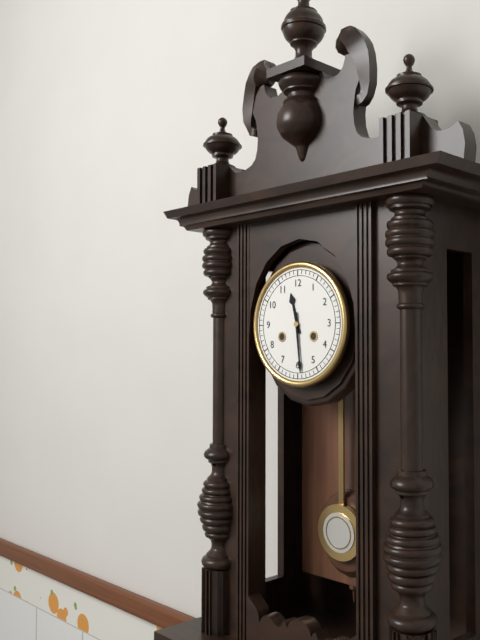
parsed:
11:29
